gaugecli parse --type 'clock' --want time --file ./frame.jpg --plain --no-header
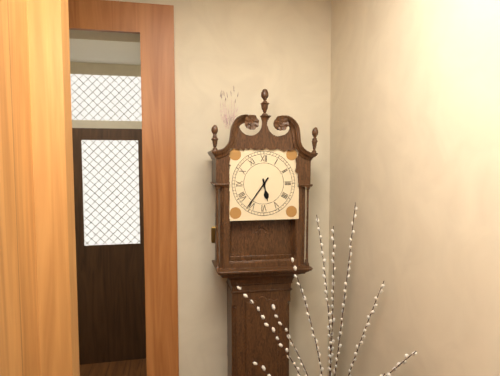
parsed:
5:36
